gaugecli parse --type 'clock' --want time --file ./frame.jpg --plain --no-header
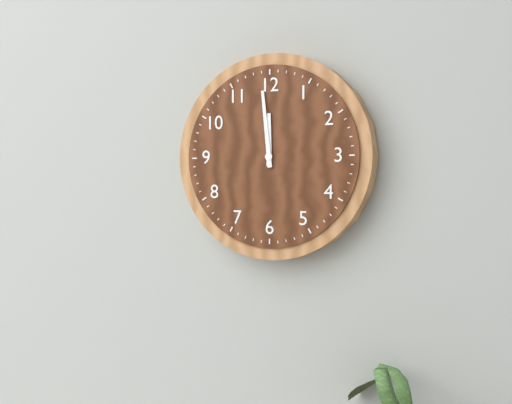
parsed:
11:59
